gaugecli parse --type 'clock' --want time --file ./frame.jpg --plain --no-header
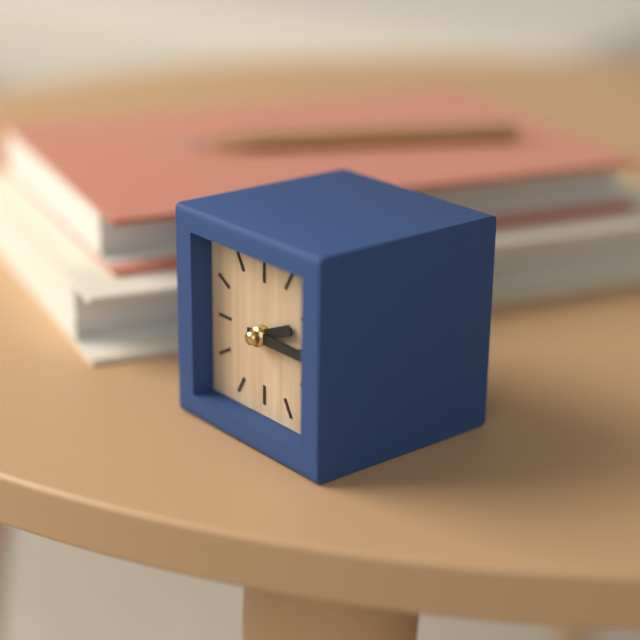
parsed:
2:15
